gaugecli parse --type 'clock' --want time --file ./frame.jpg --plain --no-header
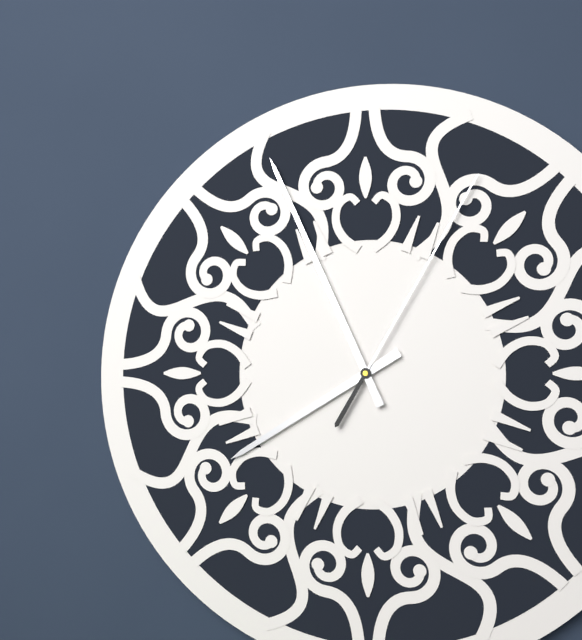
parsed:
7:56:05
